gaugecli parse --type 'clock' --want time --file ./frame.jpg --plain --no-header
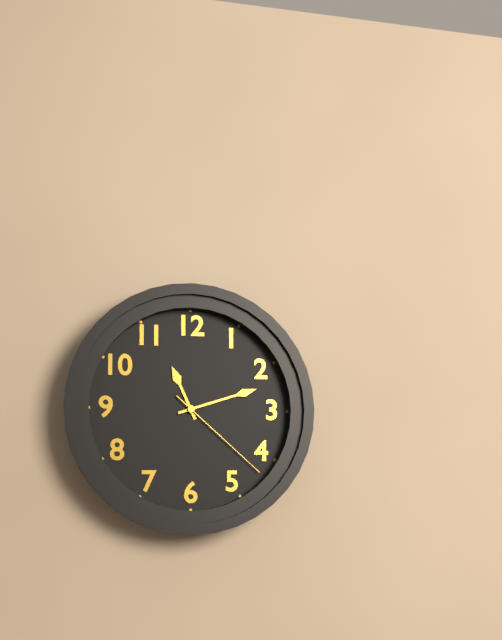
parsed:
11:12:22
